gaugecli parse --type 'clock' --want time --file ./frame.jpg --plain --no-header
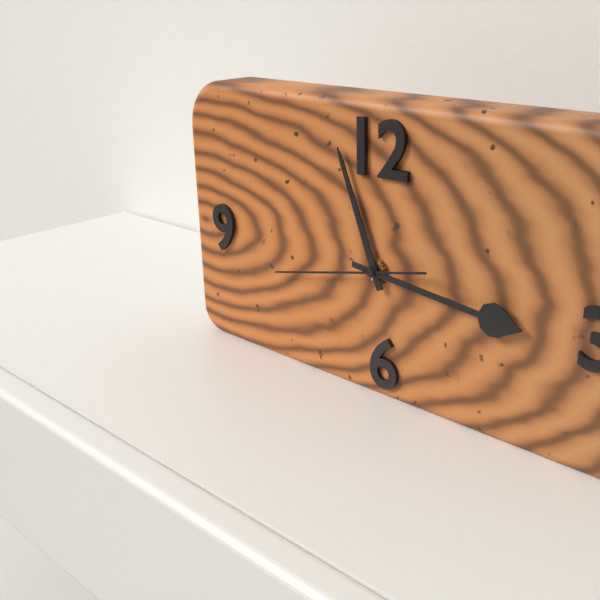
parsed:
11:16:43
